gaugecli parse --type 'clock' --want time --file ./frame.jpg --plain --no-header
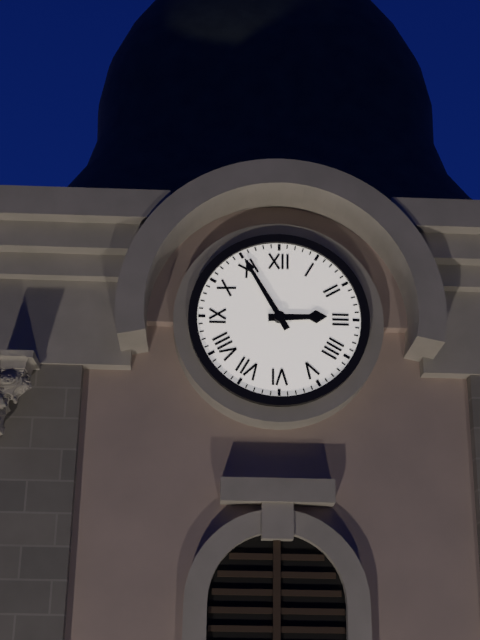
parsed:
2:55
